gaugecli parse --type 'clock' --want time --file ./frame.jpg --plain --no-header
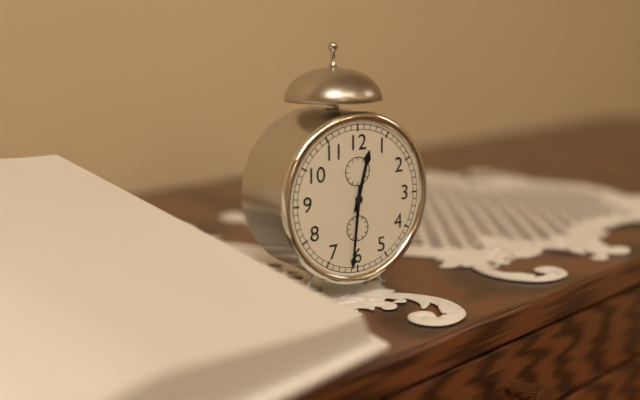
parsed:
12:31
